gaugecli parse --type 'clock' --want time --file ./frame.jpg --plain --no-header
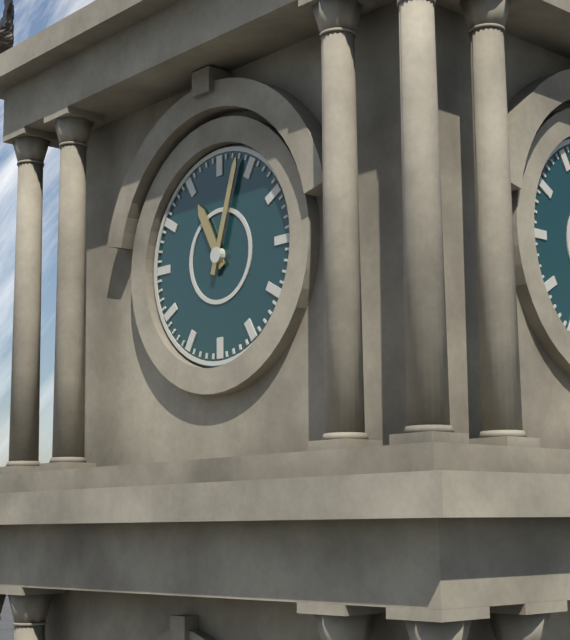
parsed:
11:03
